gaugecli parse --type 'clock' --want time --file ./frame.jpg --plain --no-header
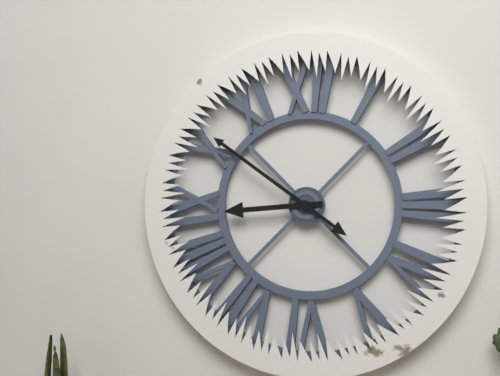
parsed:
8:51
